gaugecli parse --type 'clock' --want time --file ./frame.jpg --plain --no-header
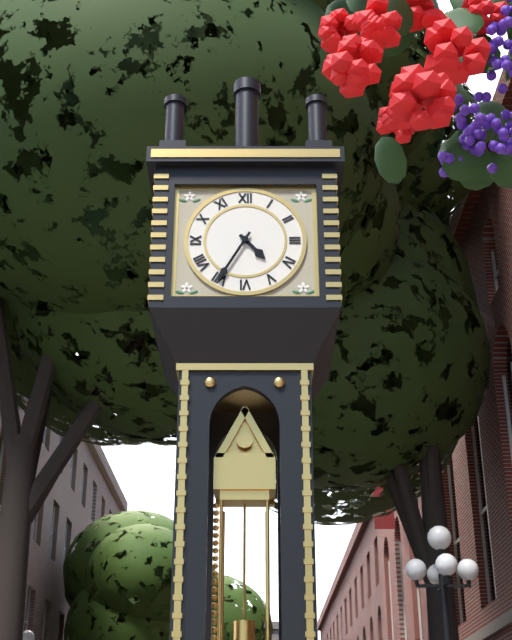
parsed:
4:35
